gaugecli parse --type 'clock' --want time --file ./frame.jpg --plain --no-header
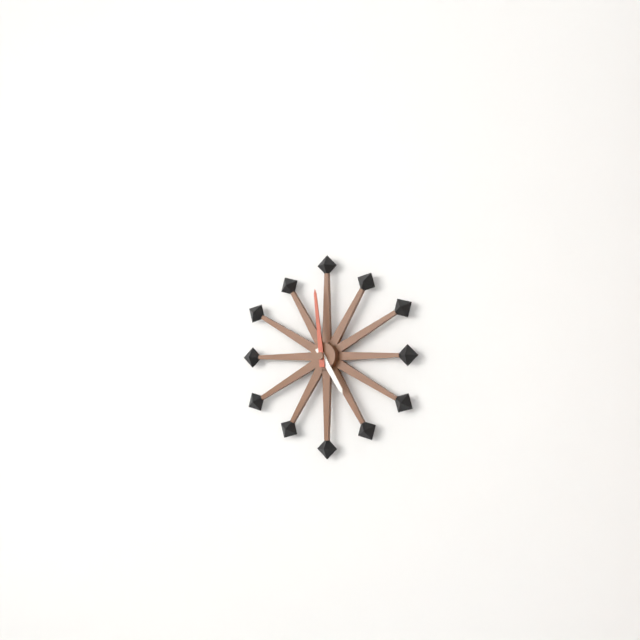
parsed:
4:59
